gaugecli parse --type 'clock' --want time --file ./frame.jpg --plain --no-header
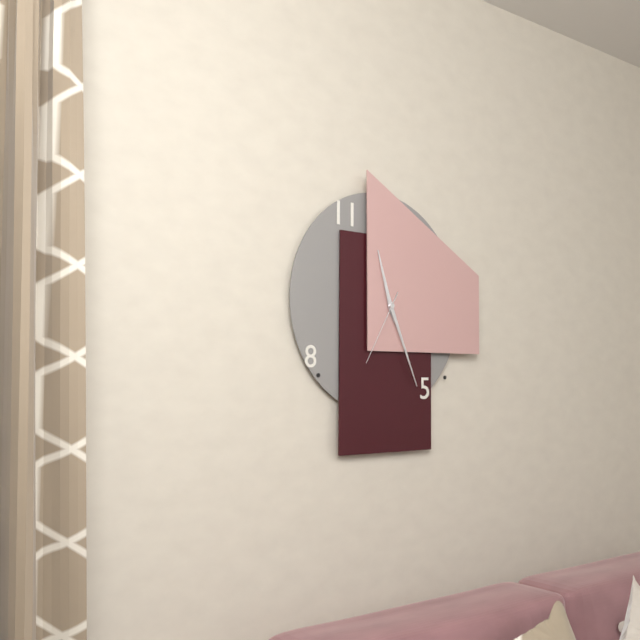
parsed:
11:26:35
